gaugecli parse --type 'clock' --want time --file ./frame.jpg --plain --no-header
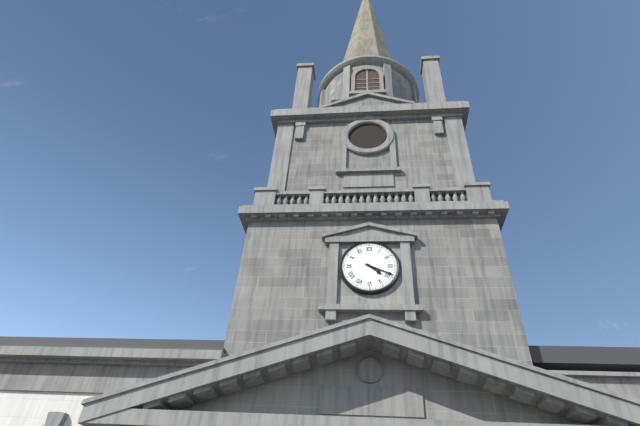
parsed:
4:19
